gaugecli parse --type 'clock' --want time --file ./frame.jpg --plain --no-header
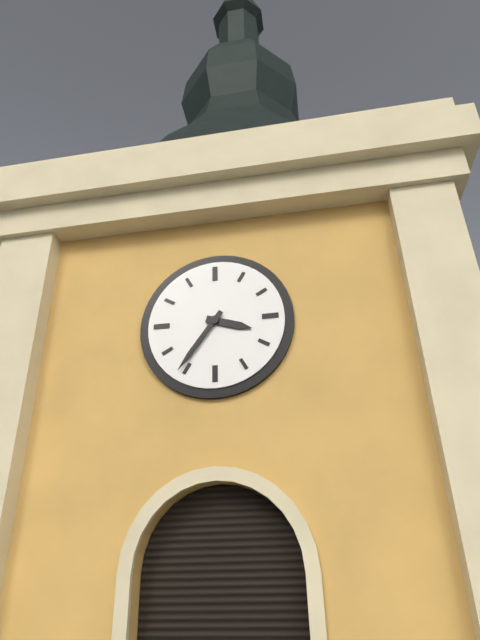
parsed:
3:36
